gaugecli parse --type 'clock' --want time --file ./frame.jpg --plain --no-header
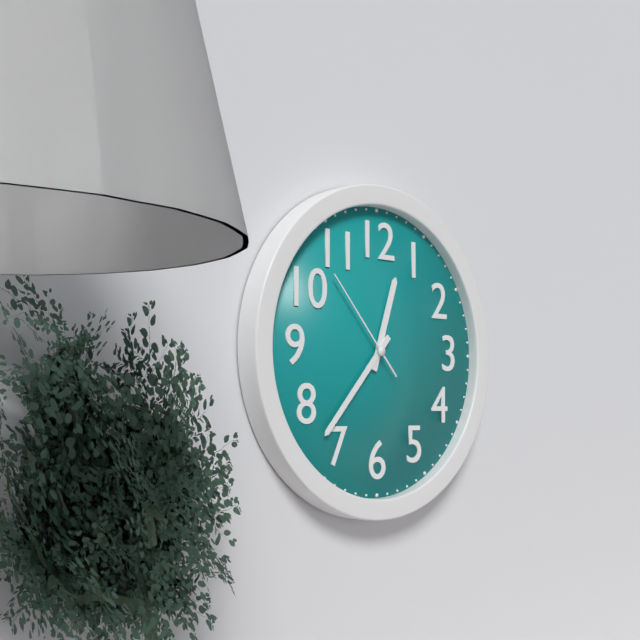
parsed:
12:37:53
